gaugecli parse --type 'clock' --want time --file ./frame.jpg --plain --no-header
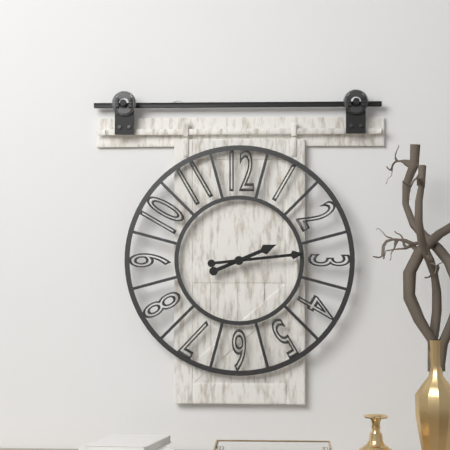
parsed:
2:14
